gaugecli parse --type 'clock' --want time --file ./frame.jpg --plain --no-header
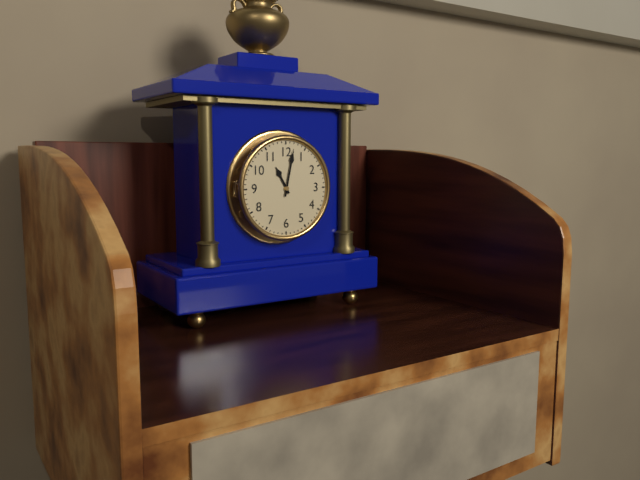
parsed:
11:02
